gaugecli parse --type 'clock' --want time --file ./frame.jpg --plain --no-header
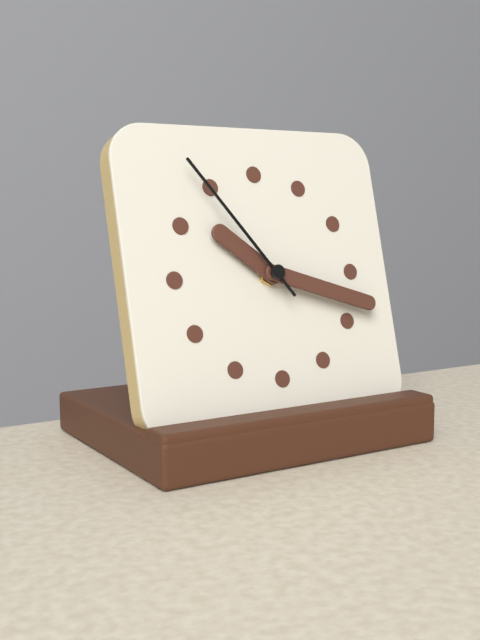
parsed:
10:18:54
